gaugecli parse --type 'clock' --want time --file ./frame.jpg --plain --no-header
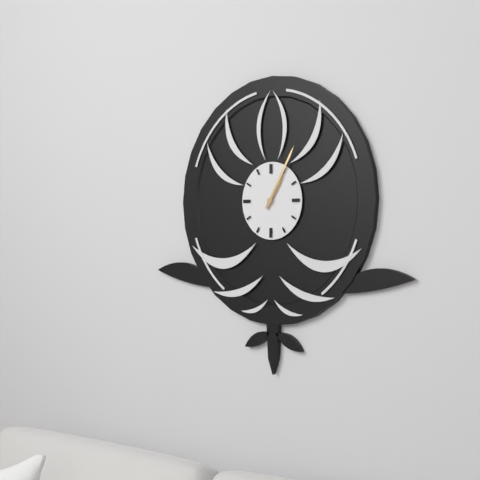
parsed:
1:05
